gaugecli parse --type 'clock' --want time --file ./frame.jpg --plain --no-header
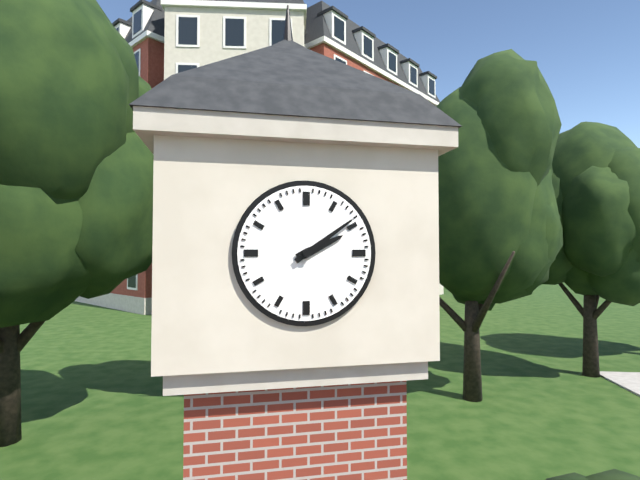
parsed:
2:09
